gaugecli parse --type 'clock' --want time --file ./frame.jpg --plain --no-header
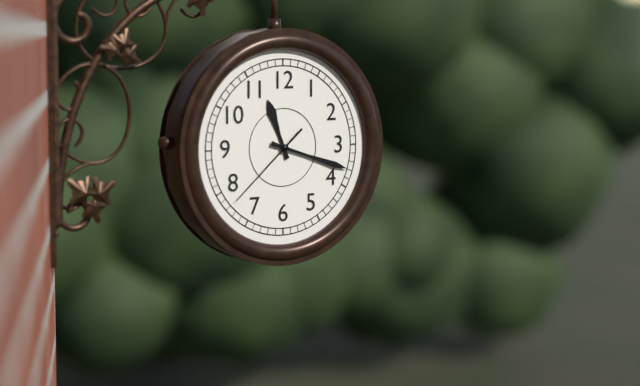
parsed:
11:18:38
